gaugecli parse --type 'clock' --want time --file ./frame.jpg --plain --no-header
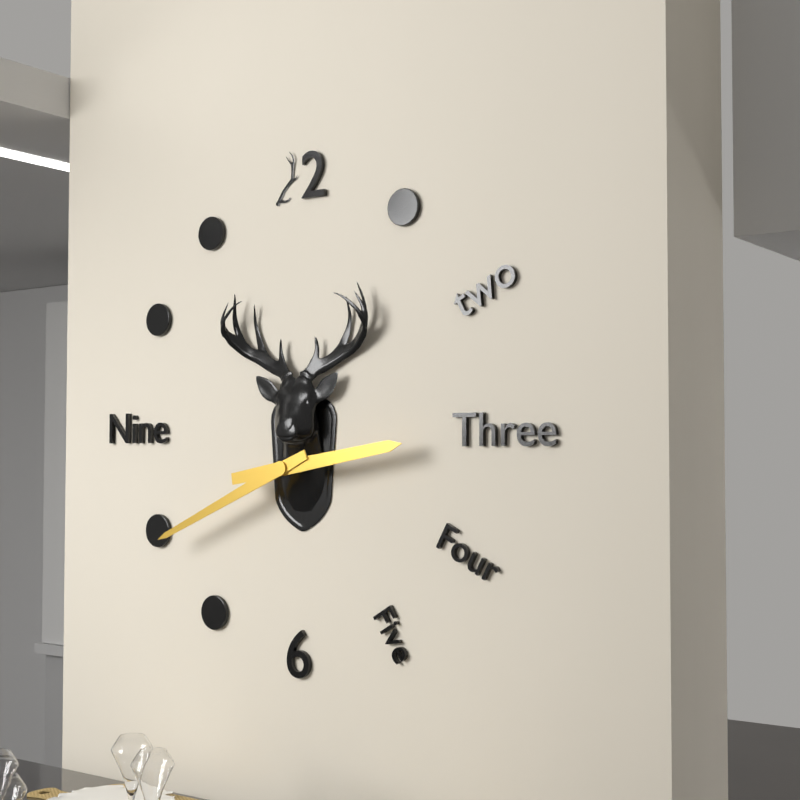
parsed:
2:41
